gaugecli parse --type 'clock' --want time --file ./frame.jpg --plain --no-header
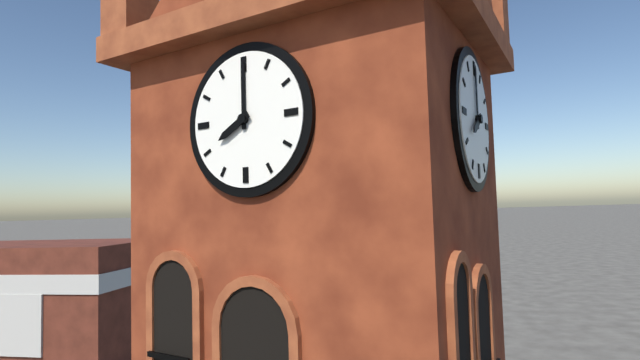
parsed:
8:00
